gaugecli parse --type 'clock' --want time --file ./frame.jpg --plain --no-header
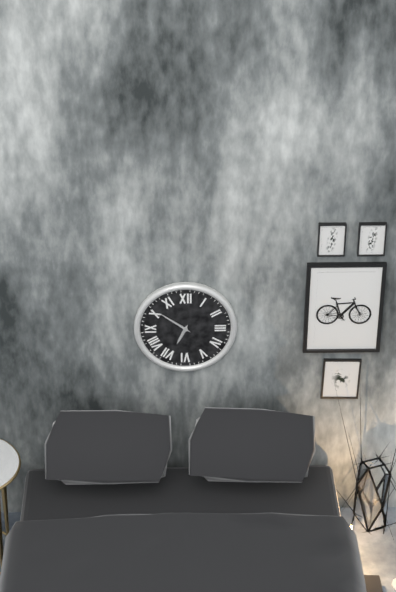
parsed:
6:51
